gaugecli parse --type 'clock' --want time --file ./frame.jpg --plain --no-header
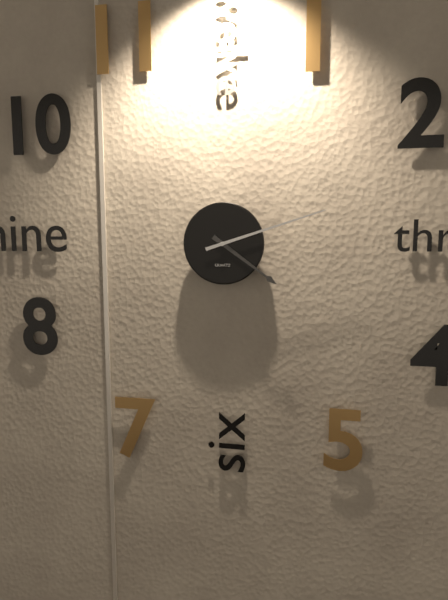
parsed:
4:12
